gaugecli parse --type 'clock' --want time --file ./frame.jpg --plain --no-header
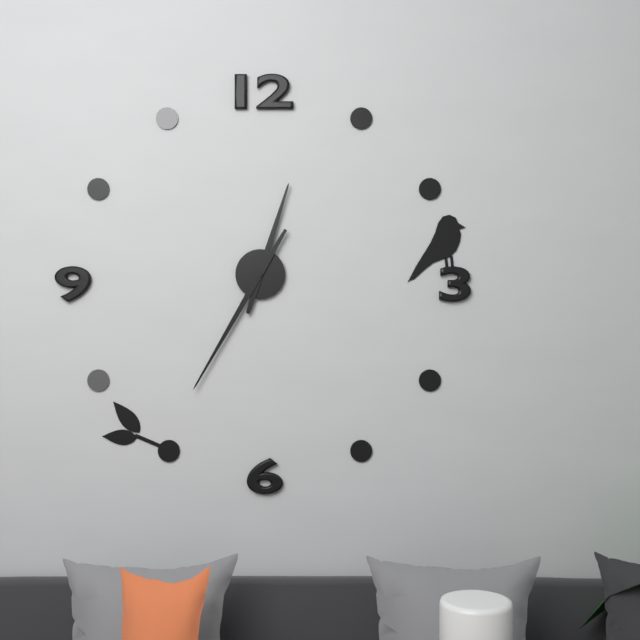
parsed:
12:35
